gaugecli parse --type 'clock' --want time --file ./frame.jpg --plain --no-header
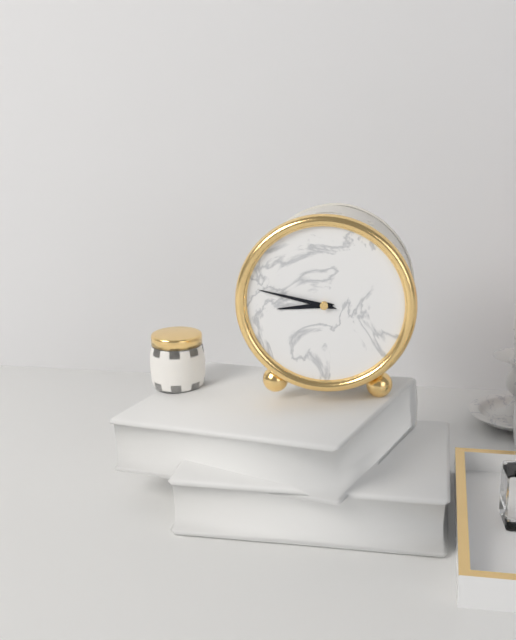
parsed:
8:47
